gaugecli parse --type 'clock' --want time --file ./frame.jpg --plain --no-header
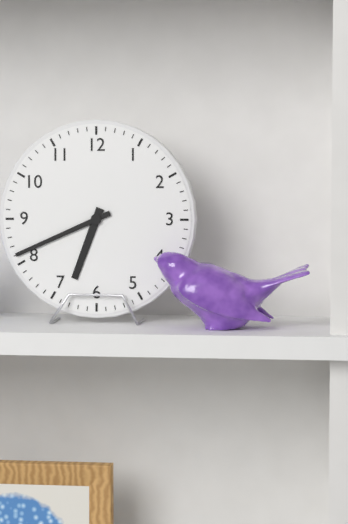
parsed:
6:41
